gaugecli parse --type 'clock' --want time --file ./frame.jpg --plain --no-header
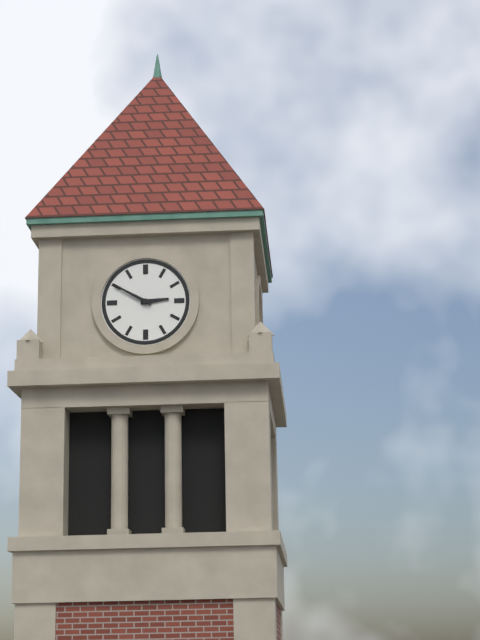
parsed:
2:50
